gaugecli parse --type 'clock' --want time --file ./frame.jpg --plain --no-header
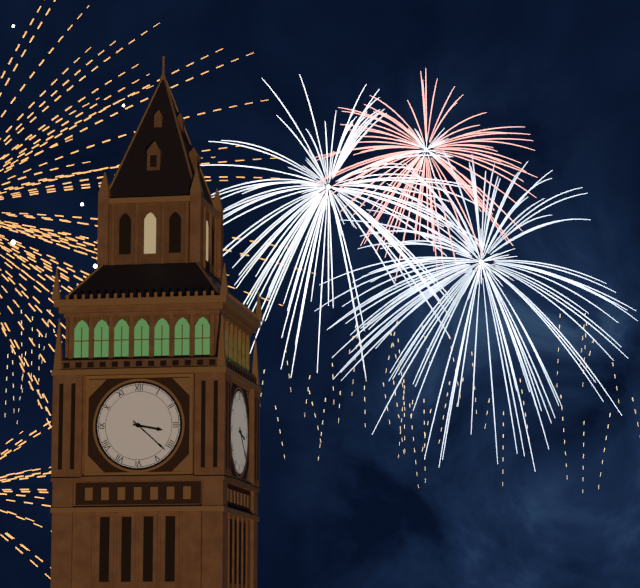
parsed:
3:22
